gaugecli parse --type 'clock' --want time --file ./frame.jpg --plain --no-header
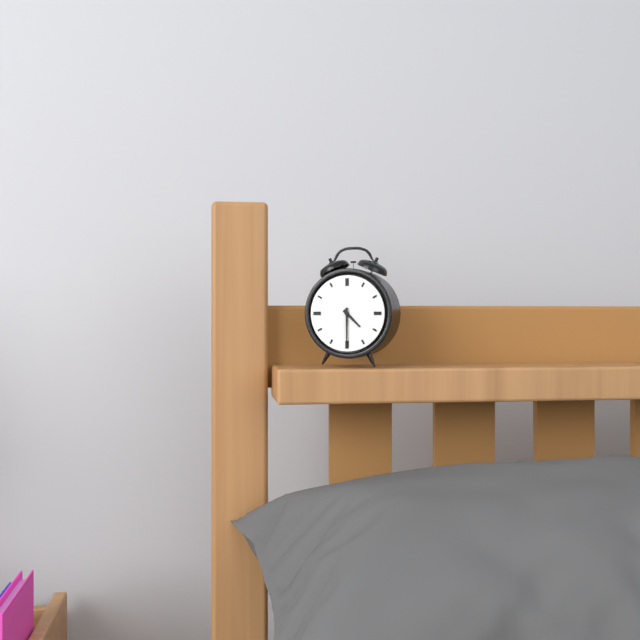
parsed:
4:30
